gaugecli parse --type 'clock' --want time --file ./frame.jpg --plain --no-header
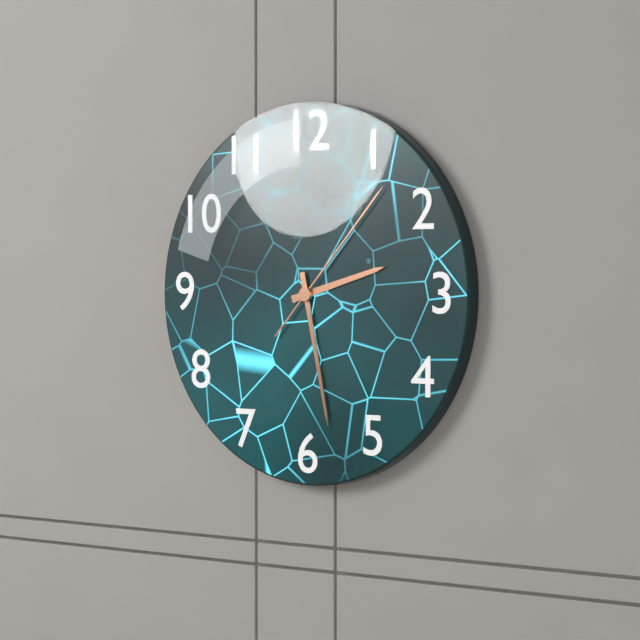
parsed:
2:28:07
